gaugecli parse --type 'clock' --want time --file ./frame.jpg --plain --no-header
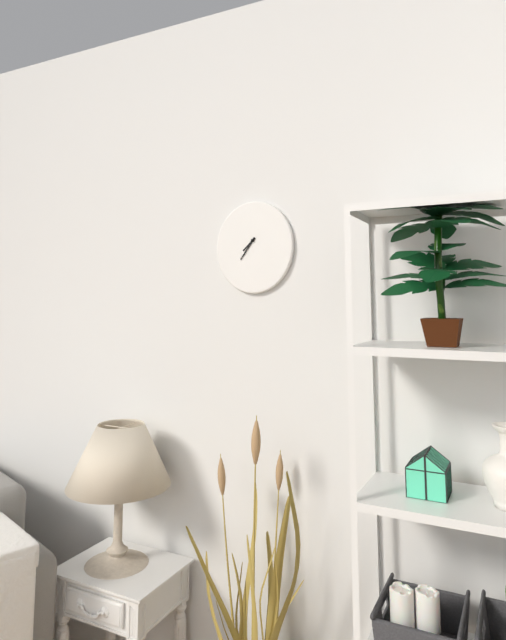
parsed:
7:36
